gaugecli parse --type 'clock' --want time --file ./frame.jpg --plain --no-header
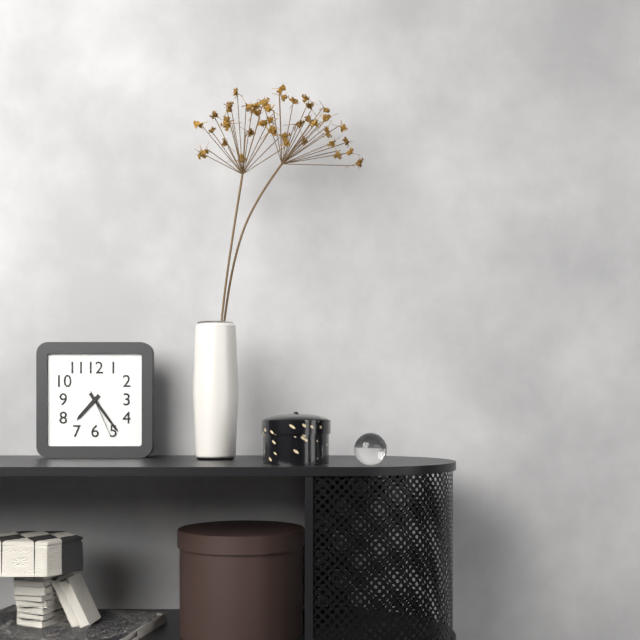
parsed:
7:24
